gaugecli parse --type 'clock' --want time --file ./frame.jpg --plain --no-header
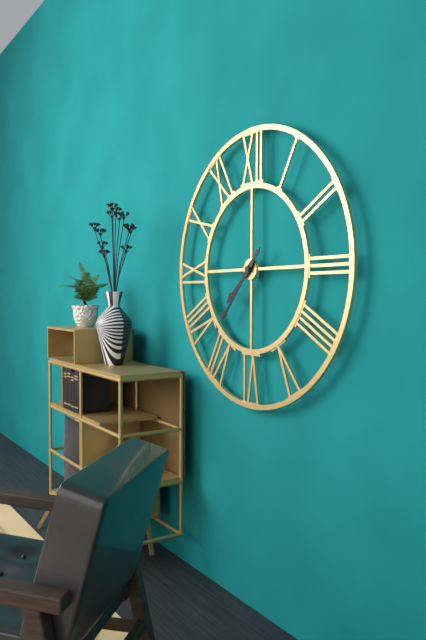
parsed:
7:37
